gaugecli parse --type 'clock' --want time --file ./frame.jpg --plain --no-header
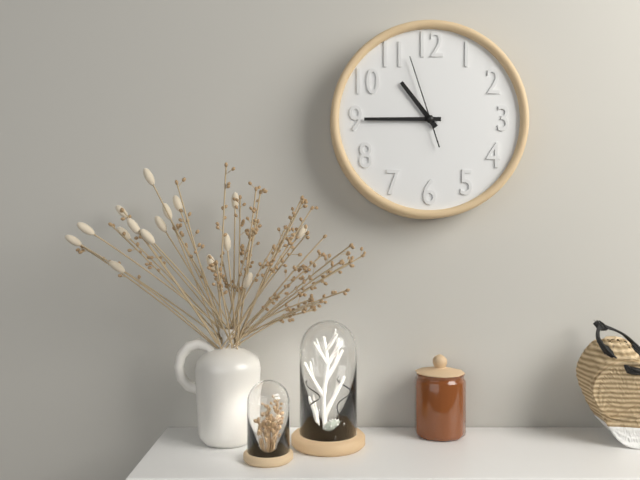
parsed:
10:45:57
